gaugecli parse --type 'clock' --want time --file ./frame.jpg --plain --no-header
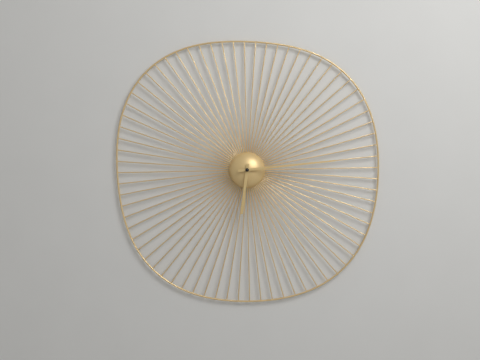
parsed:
6:14
